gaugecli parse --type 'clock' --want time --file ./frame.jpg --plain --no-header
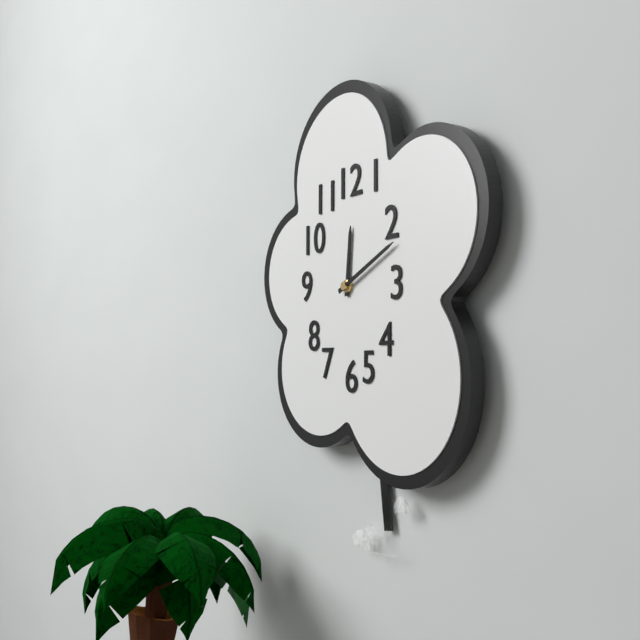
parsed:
12:11
